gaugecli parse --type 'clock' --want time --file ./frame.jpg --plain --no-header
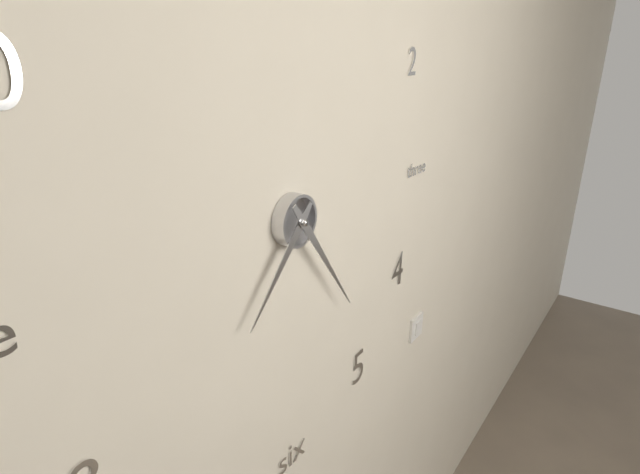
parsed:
7:24
